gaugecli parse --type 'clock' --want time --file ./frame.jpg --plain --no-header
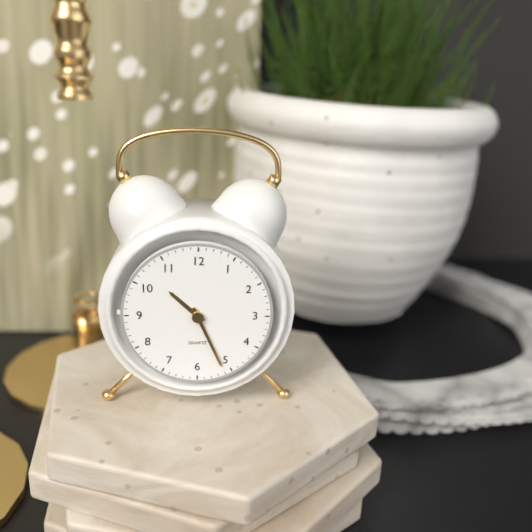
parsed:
10:26
